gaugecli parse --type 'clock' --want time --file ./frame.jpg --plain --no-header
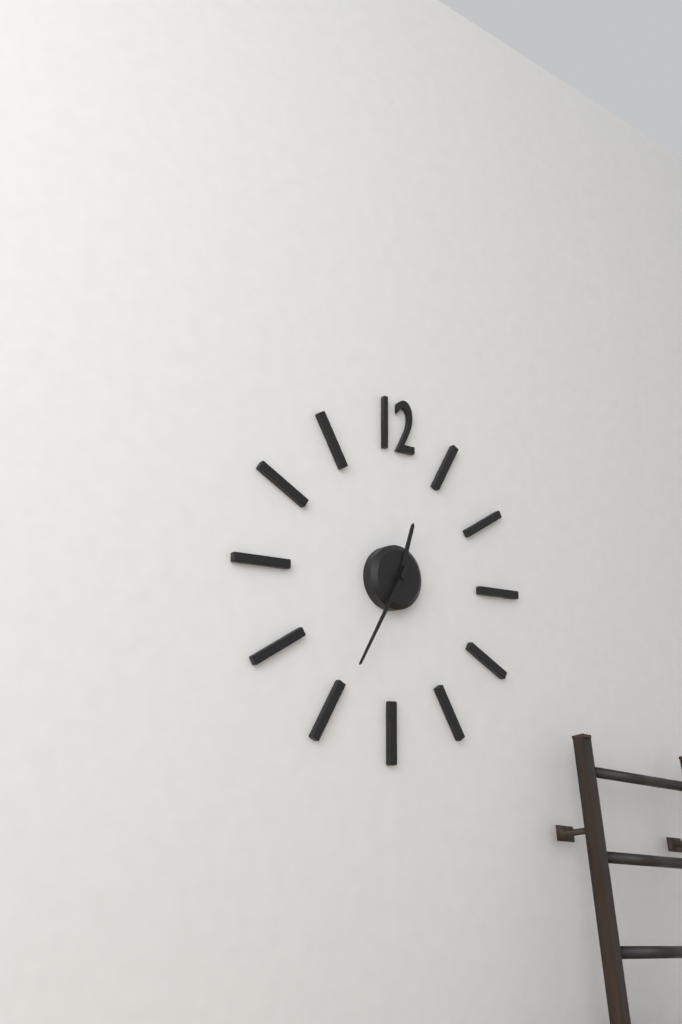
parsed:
12:35
